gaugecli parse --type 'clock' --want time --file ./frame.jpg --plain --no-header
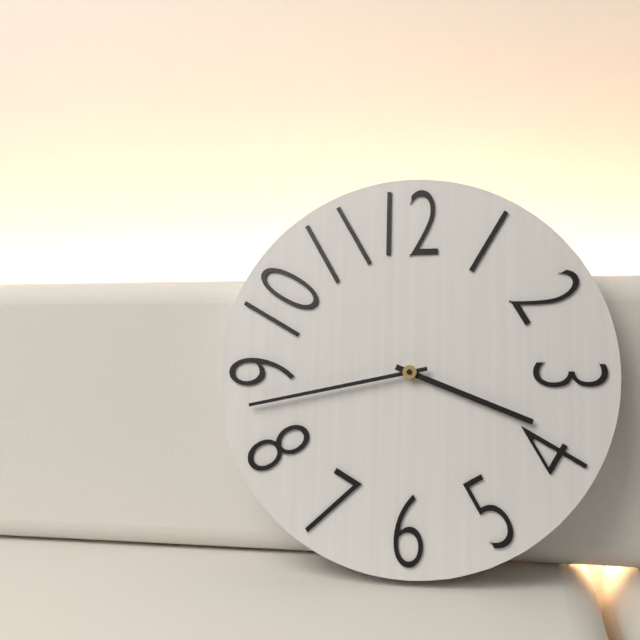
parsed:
3:43
